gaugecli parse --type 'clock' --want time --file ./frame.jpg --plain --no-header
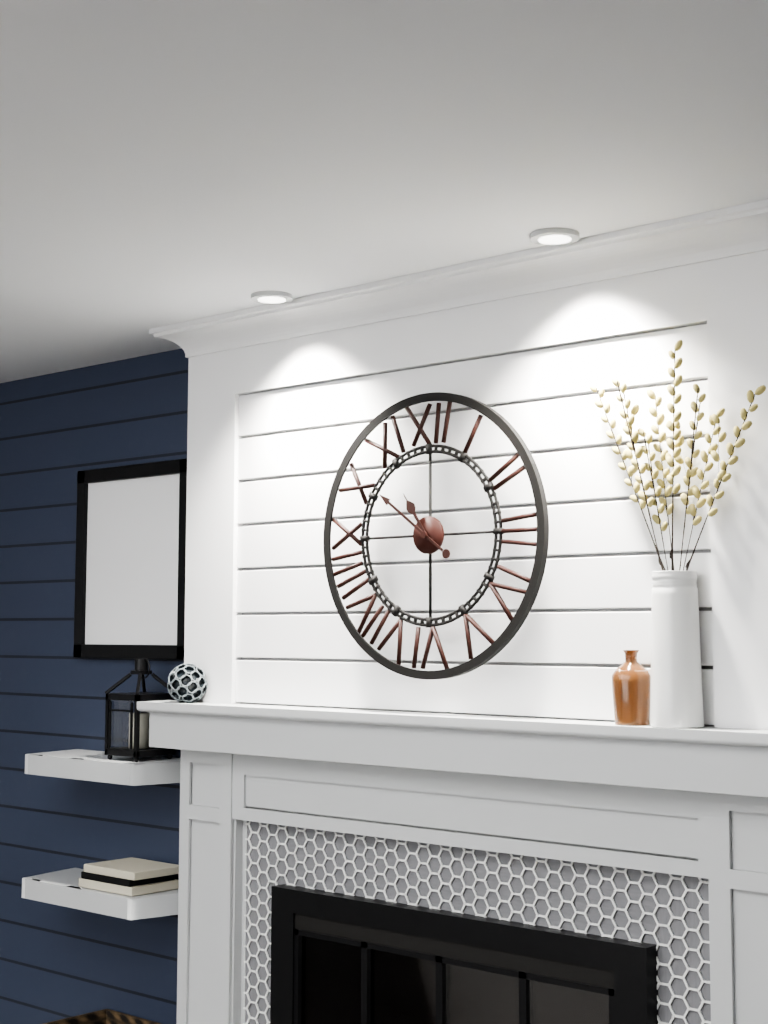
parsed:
10:51
